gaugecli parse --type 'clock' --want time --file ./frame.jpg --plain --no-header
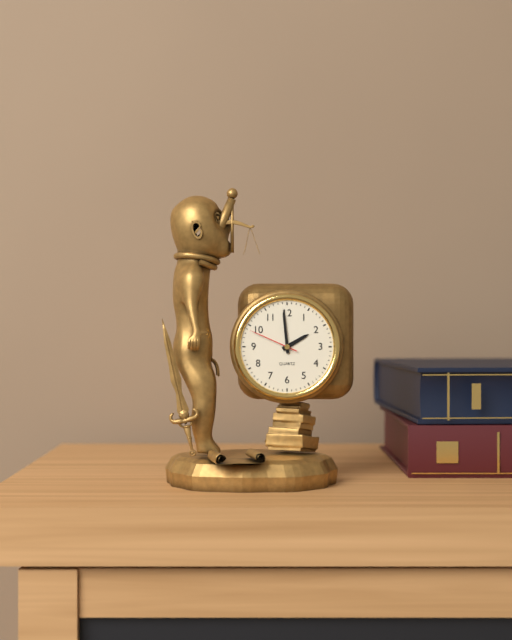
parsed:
1:59:49
